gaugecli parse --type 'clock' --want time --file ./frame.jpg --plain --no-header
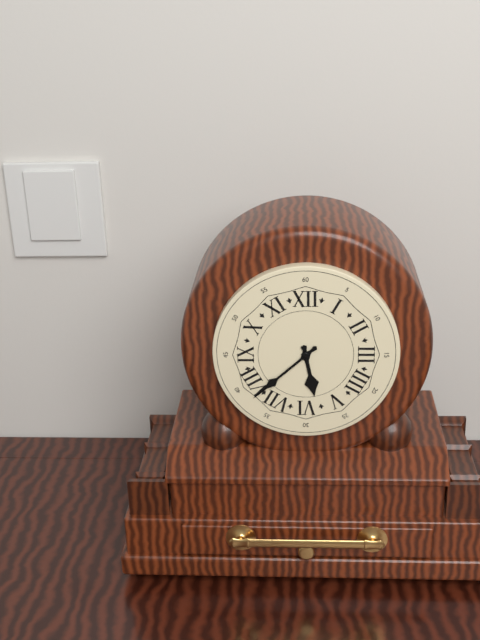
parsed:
5:38
